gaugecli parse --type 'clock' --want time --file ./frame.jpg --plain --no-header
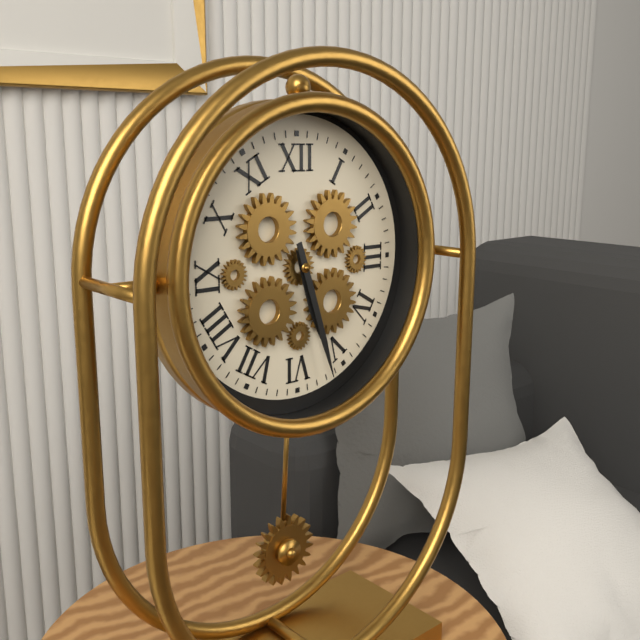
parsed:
5:27
